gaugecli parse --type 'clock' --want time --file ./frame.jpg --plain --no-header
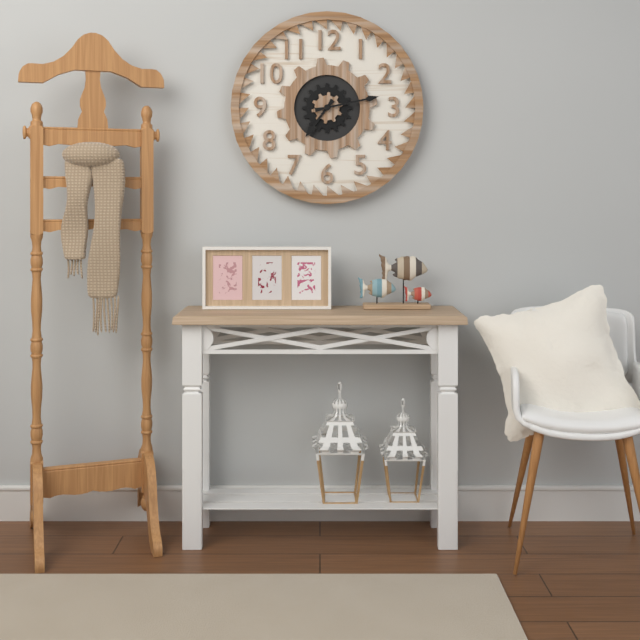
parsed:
7:13
